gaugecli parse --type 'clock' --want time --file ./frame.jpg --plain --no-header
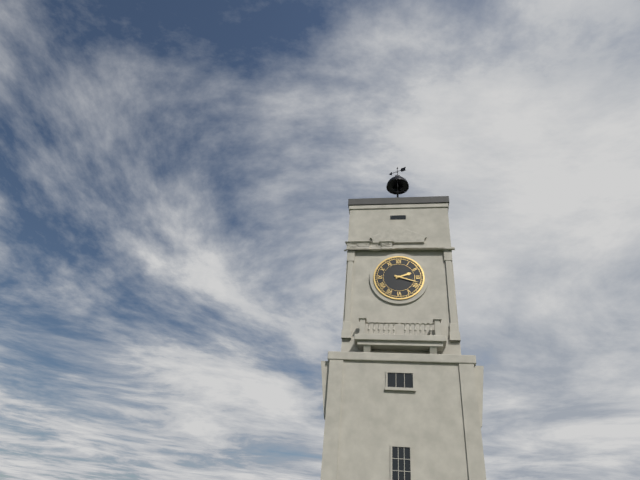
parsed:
2:18
